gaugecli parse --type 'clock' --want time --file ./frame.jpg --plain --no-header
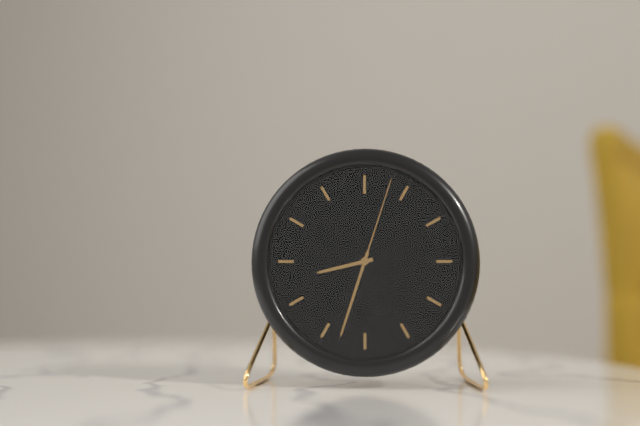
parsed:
8:33:03
